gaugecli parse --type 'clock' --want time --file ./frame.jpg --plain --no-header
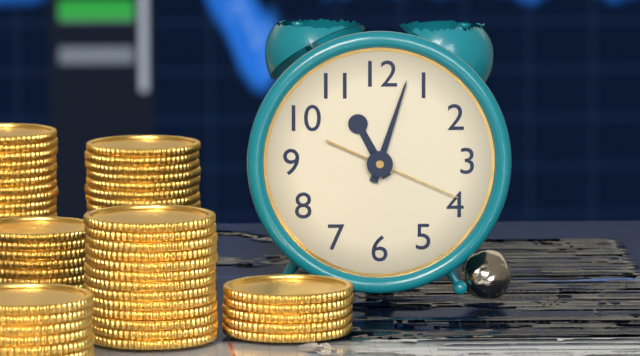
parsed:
11:03:19
